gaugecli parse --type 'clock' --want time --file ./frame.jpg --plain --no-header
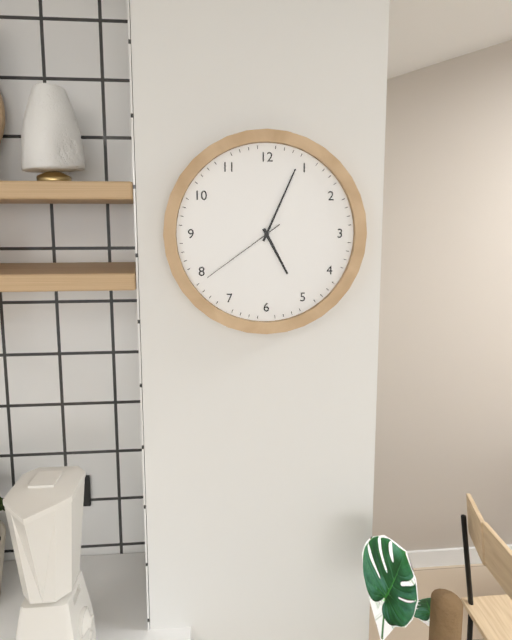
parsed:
5:04:39
